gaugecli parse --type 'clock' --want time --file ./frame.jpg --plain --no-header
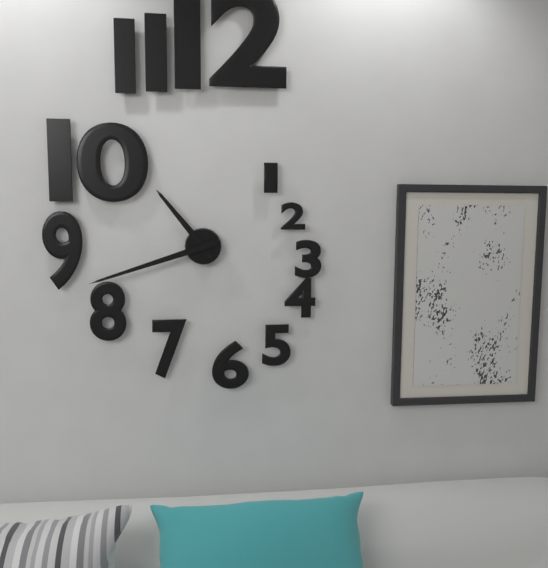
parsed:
10:42
